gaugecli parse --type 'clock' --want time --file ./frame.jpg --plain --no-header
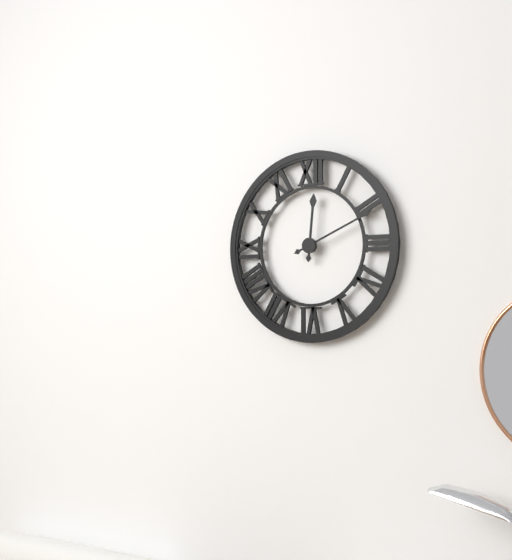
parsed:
12:11
